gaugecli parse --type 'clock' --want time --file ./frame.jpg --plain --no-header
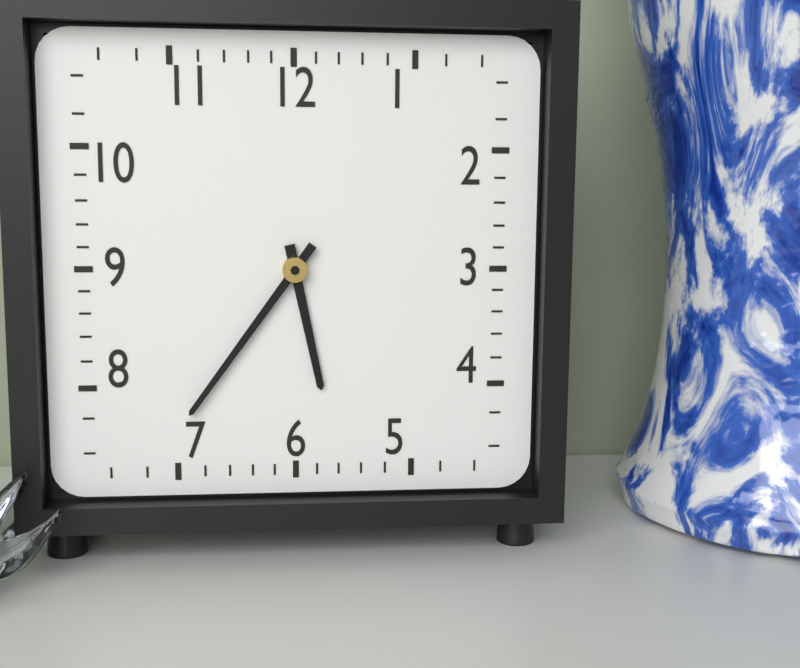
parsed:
5:36
